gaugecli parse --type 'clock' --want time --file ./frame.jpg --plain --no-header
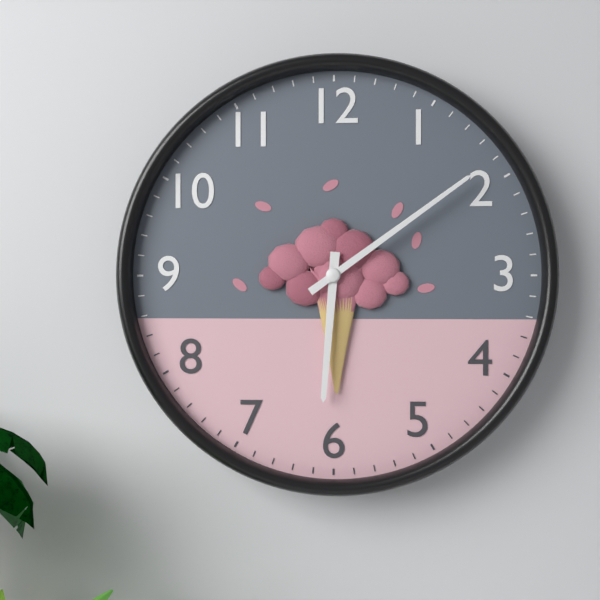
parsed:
6:09
